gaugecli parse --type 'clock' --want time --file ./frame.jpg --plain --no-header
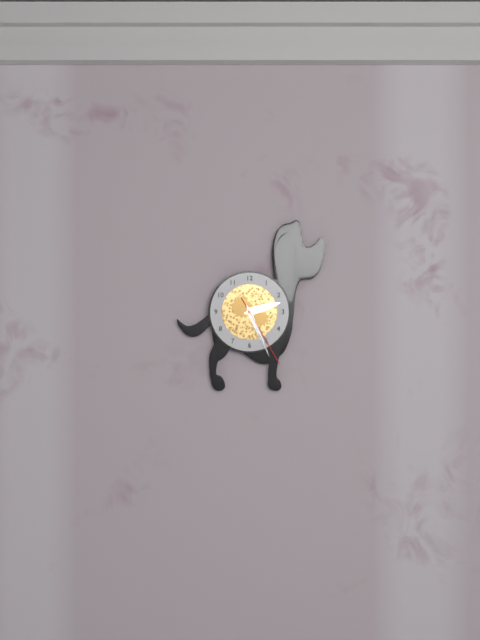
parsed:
2:26:25
